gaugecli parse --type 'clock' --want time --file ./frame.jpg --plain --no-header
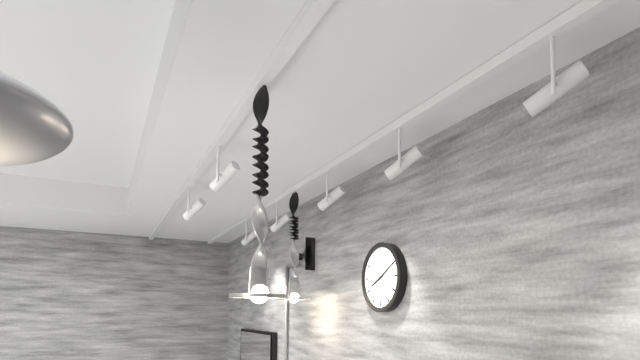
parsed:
8:10
